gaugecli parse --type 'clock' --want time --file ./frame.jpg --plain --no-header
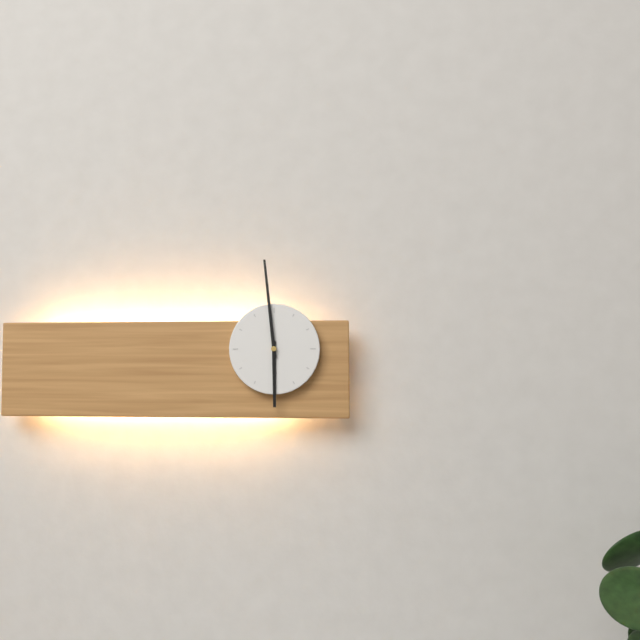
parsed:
5:59
